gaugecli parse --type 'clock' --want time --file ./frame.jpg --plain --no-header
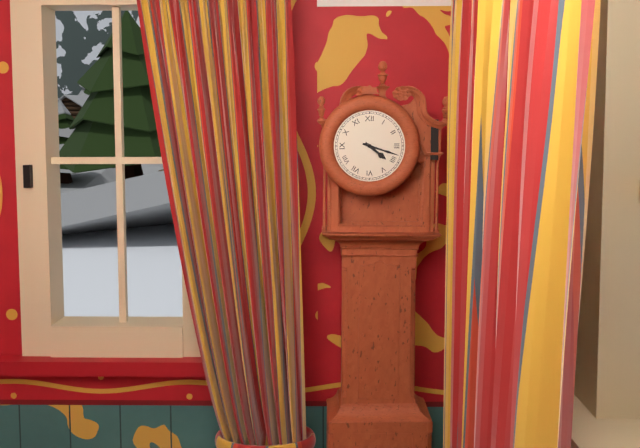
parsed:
4:18
